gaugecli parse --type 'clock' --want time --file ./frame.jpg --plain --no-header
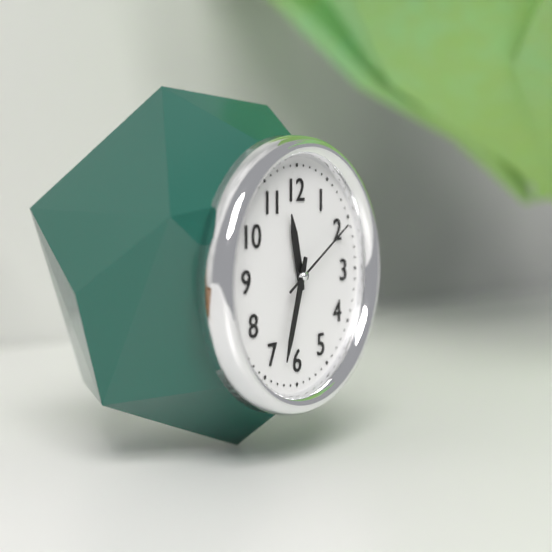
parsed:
11:33:10
